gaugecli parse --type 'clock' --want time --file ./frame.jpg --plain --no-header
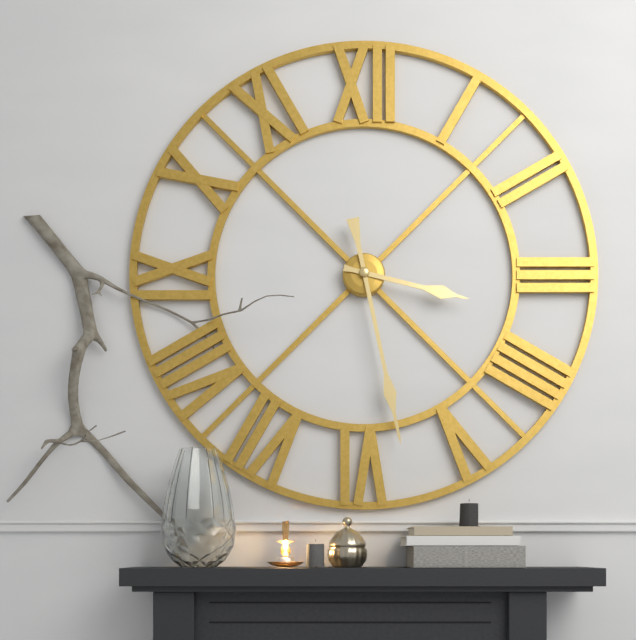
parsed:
3:28
